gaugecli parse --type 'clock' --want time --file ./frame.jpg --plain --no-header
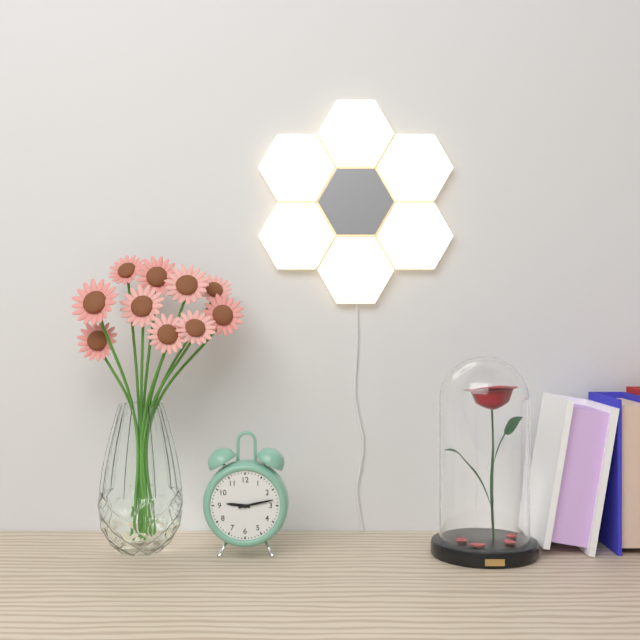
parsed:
9:13
